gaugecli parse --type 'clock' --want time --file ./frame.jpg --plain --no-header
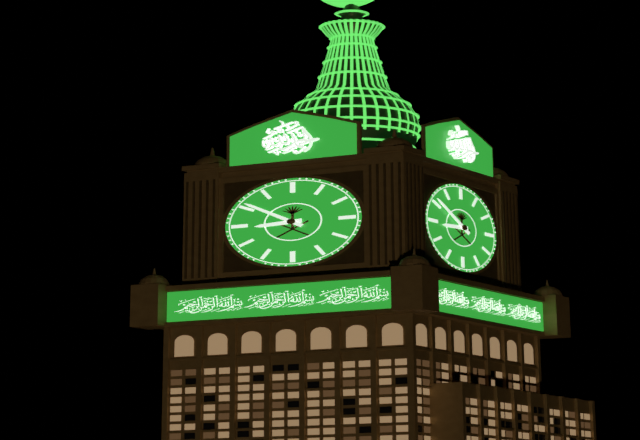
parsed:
8:51
